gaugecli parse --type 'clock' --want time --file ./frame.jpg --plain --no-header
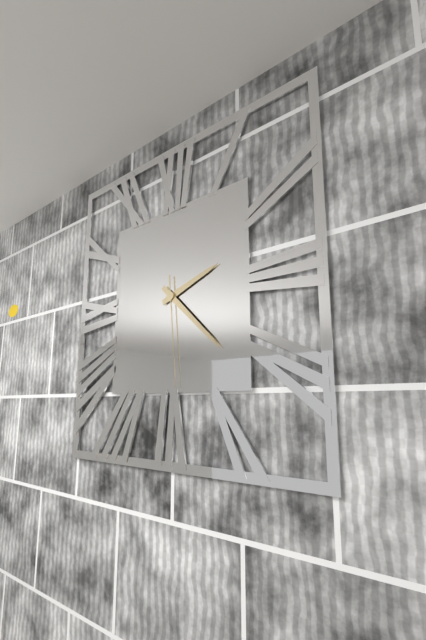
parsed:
2:22:29
